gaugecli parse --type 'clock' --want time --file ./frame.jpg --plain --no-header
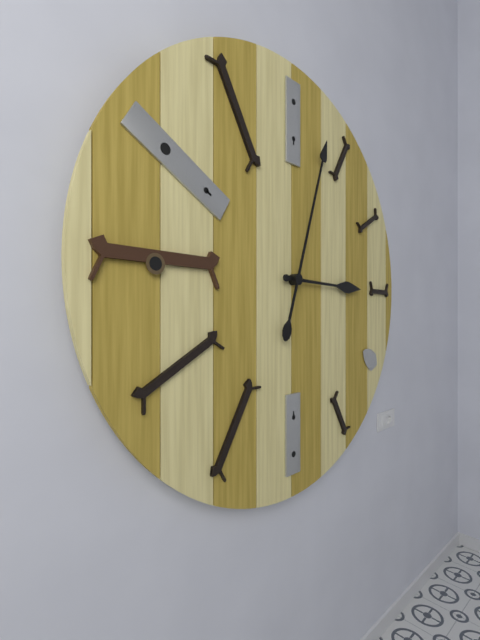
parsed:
3:03
